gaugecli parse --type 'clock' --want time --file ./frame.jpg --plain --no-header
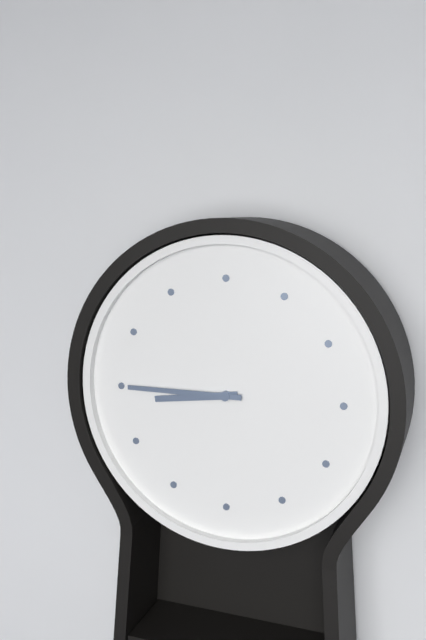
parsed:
8:45
